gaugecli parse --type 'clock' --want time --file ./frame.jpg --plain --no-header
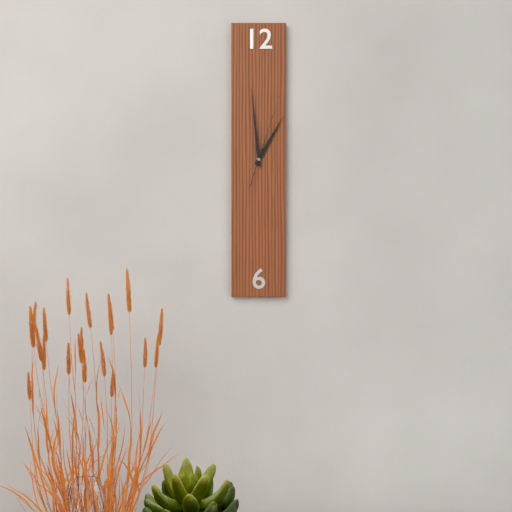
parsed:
12:59:03
